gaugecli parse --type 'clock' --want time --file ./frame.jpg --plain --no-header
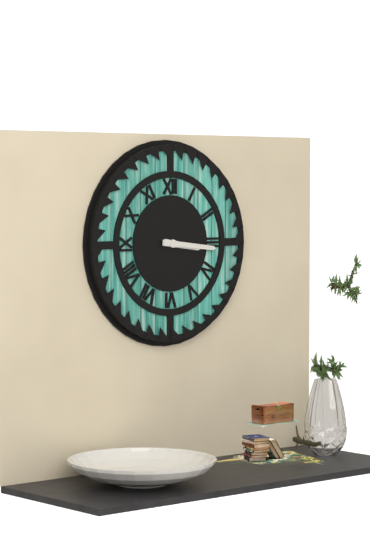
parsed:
3:16
